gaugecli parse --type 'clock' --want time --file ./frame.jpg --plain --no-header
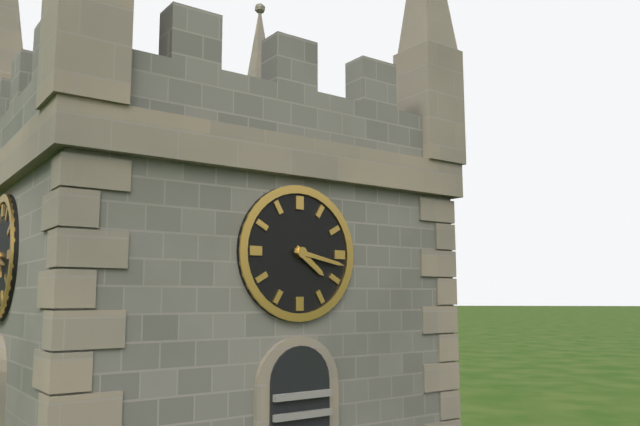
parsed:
4:17
